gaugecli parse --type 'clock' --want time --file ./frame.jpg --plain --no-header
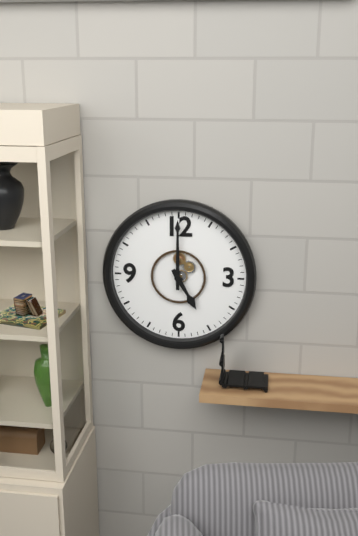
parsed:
5:00
